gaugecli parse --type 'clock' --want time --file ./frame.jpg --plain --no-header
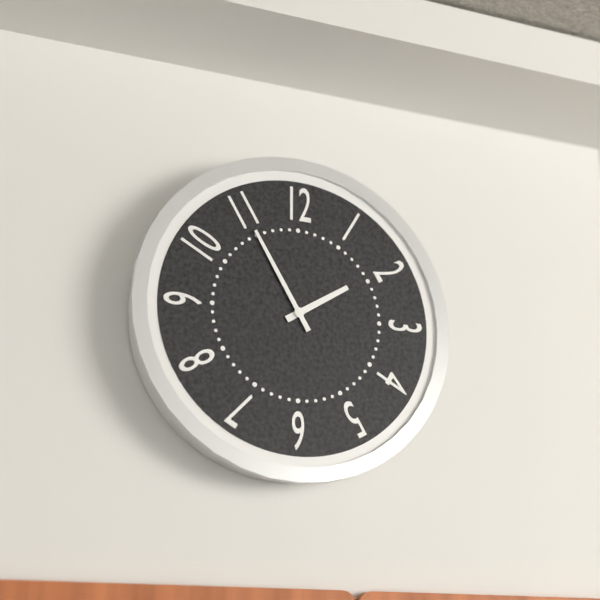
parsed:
1:55
